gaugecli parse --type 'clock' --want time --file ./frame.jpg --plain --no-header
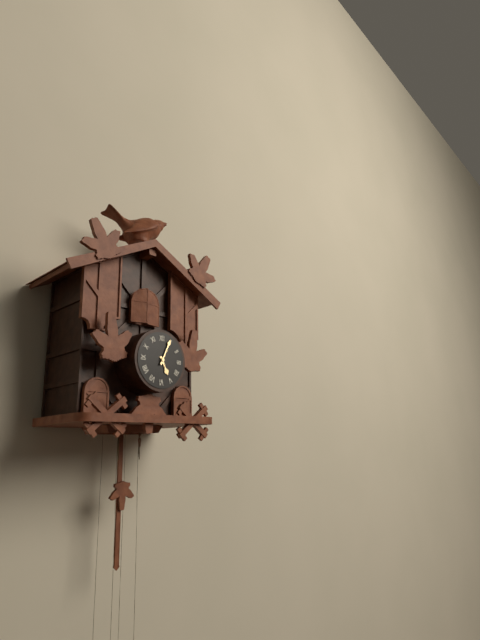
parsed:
5:04
